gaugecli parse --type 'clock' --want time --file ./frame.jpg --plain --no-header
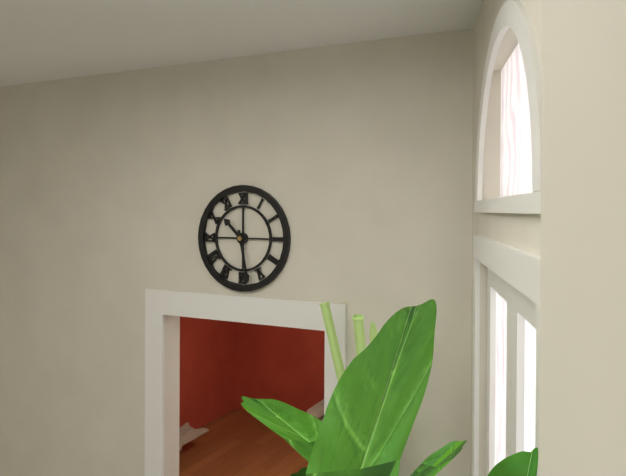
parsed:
10:28
